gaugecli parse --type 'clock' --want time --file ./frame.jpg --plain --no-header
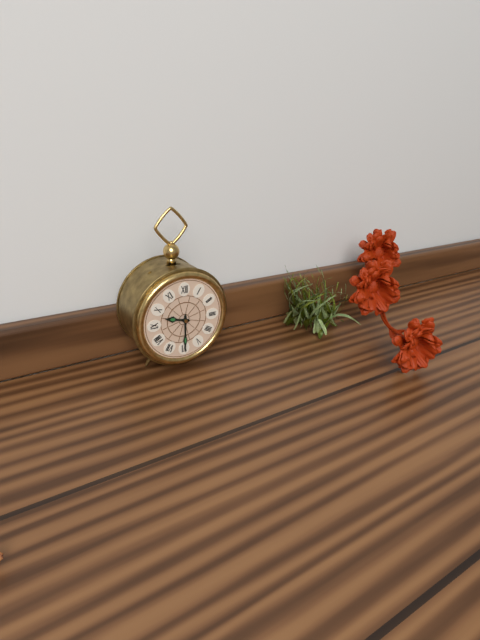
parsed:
9:30
